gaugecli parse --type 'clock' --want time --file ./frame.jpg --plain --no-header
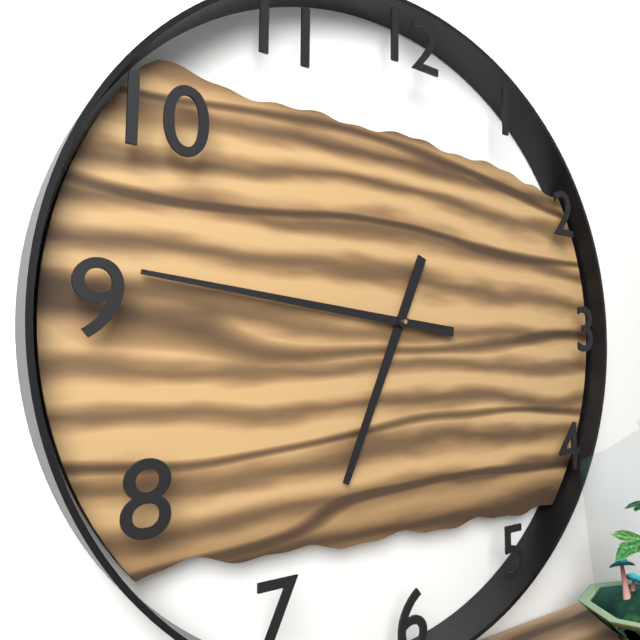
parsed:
6:46
